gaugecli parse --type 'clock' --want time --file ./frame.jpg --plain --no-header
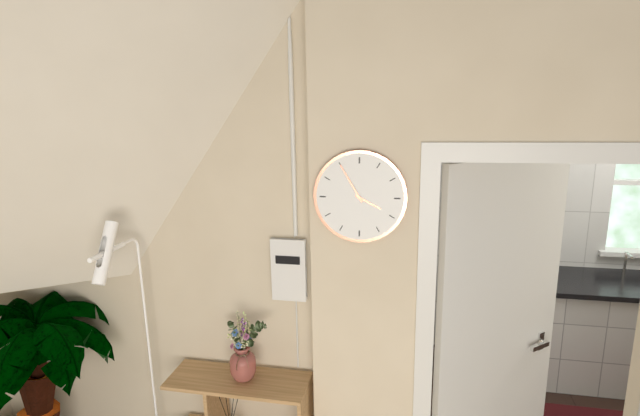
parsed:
3:55
